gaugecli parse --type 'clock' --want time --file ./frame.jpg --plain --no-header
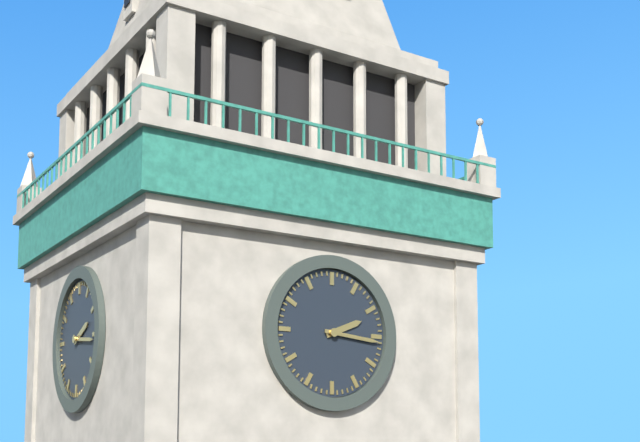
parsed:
2:16
